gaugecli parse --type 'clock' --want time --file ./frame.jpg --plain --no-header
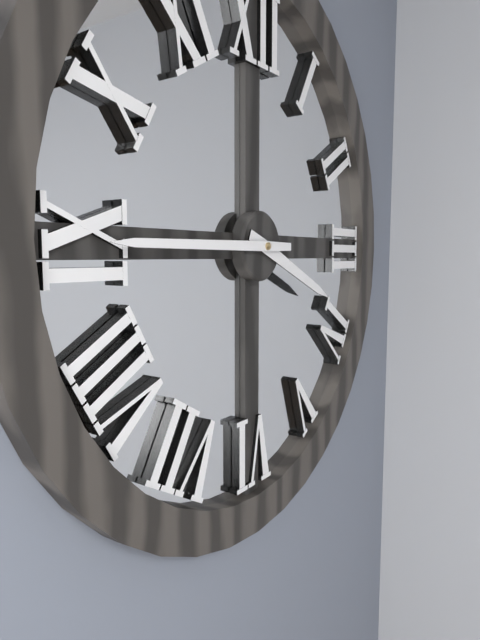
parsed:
3:45
